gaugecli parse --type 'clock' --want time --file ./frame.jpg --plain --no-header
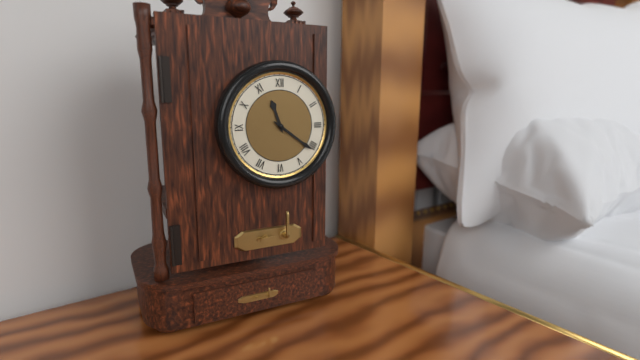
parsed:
11:21
